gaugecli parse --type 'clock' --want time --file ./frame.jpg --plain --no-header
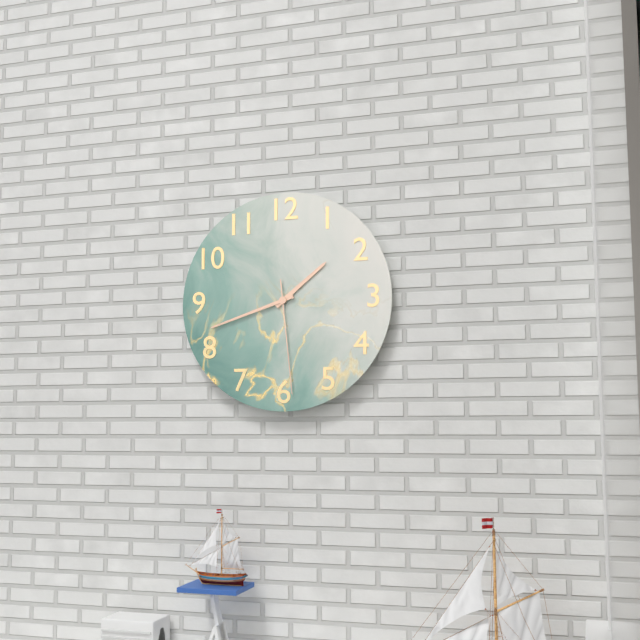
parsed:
1:42:29
